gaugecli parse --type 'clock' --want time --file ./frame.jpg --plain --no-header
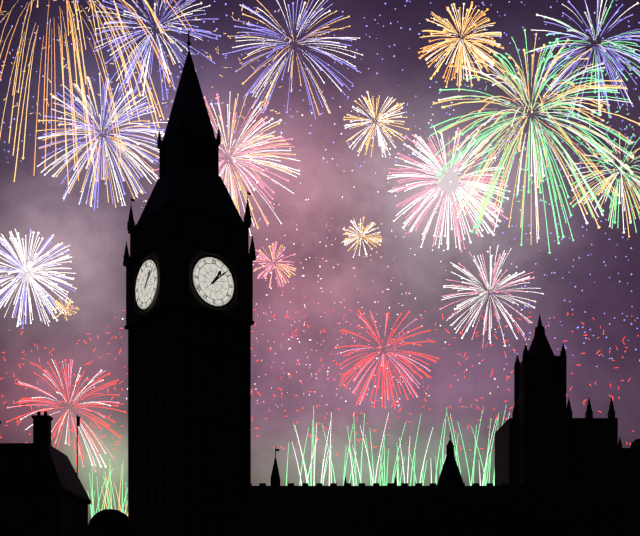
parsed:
1:08
